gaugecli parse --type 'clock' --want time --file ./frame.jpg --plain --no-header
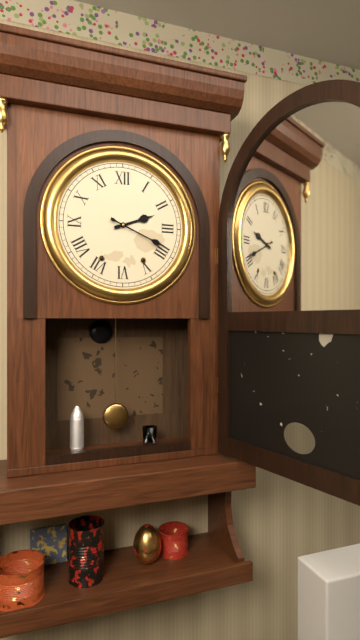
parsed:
2:19
